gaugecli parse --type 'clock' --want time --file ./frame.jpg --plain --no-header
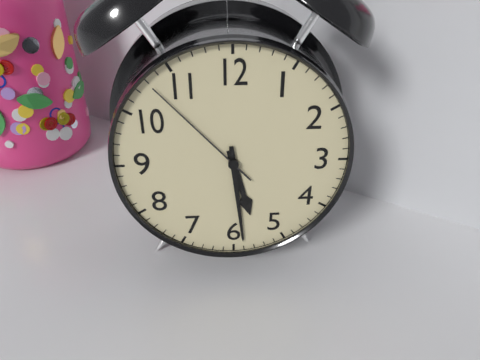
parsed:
5:29:53
